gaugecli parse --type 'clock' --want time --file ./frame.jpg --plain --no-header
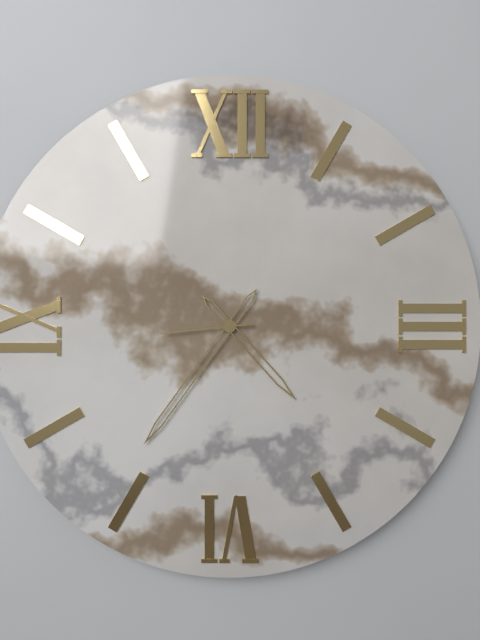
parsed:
4:36:44
